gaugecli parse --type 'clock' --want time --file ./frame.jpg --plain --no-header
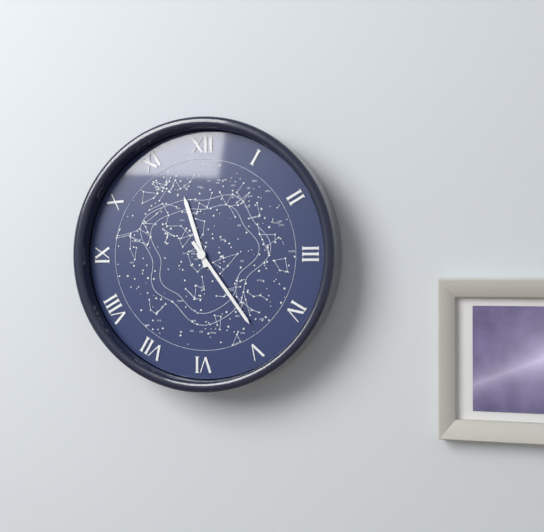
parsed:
11:24
